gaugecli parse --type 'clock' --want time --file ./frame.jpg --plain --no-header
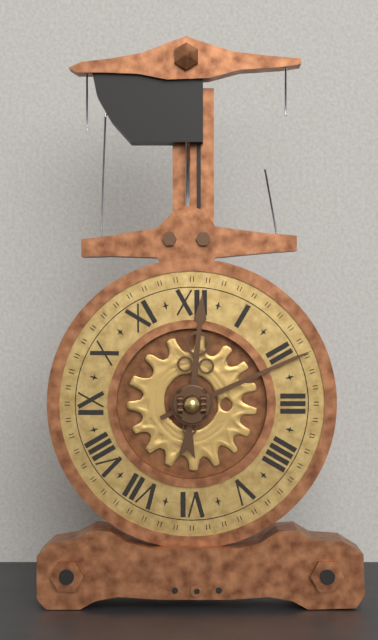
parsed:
12:11
